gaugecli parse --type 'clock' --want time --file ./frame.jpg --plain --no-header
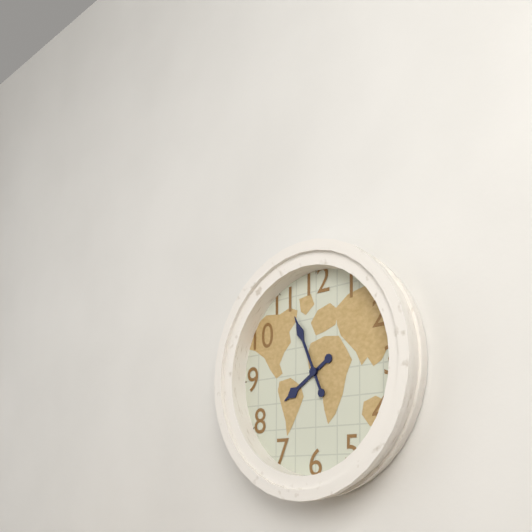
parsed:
7:56
